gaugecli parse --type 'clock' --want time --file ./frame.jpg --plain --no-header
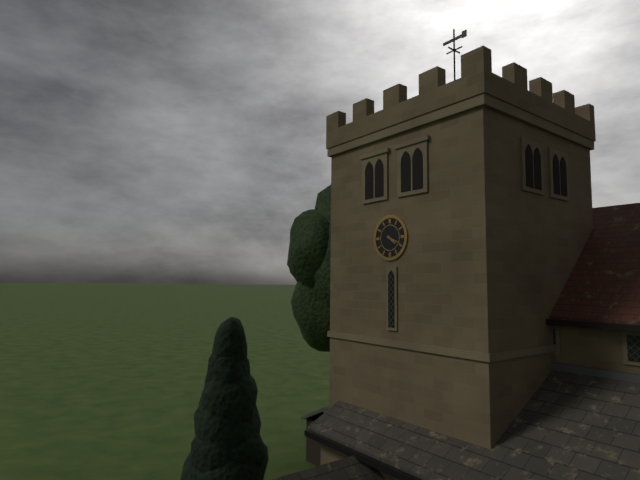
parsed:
4:19
